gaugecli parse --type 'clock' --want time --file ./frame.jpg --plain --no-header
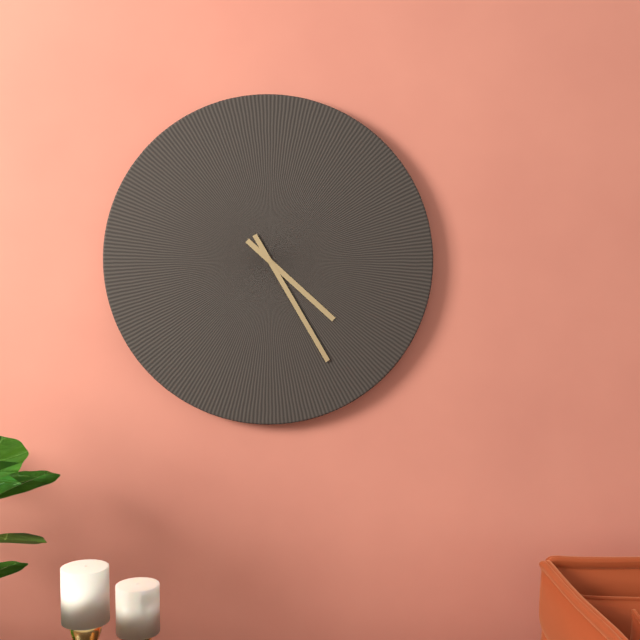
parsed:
4:25
